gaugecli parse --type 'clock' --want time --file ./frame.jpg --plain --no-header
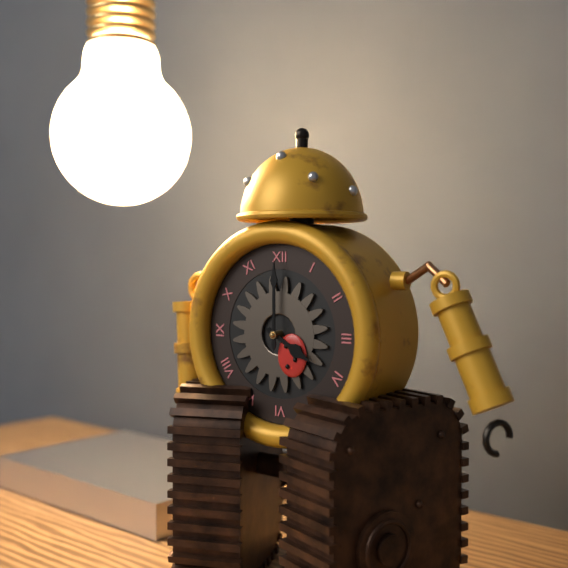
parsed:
4:00
